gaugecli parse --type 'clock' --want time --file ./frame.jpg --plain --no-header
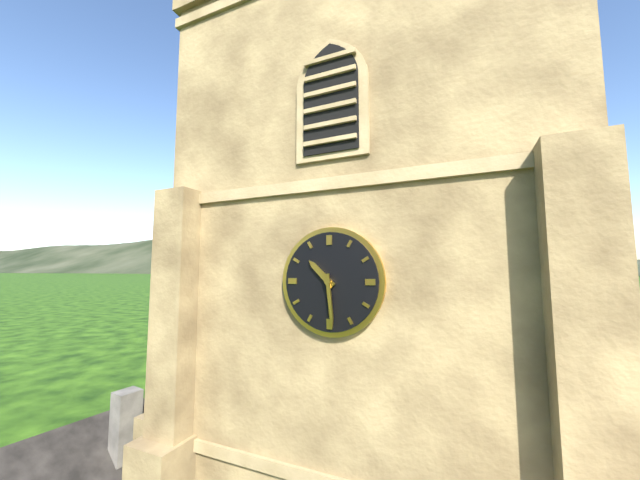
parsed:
10:29
